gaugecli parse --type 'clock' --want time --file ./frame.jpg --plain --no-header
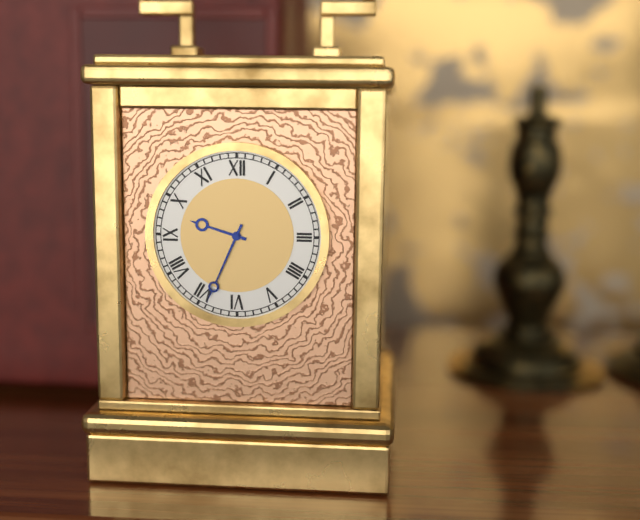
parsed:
9:34
